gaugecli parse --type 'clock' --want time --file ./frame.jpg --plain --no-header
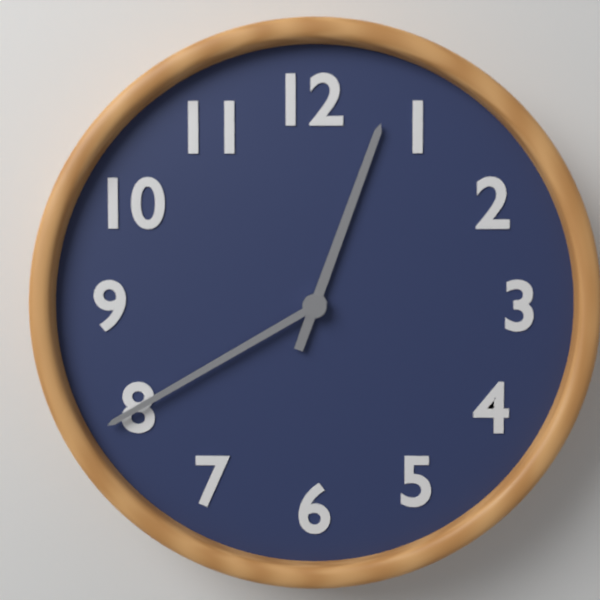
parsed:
12:40
